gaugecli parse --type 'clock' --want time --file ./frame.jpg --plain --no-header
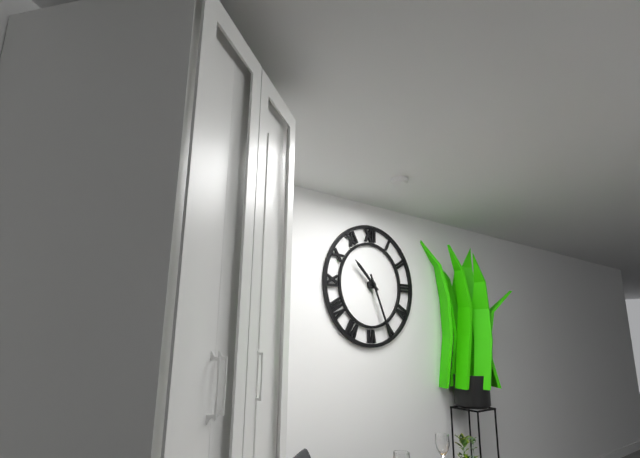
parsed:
10:26
